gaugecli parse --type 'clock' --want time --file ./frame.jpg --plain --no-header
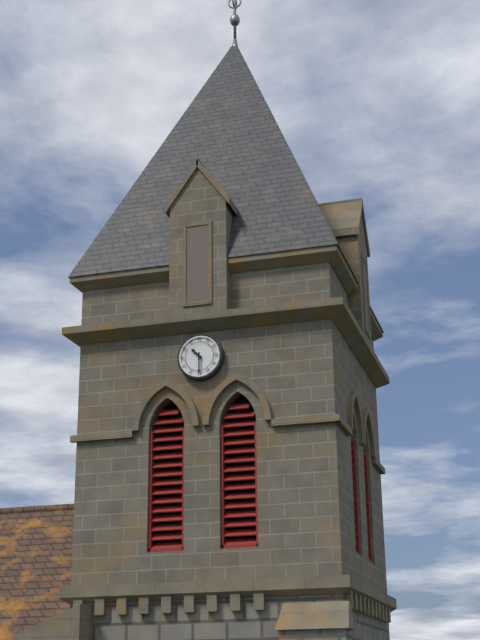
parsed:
10:30
